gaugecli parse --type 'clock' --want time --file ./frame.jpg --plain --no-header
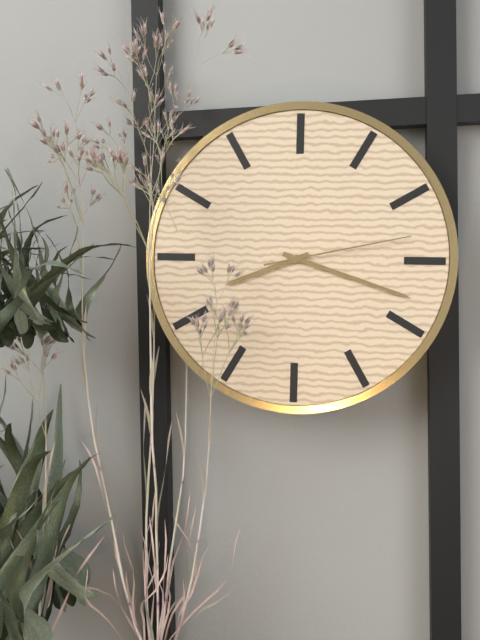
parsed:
8:18:13
